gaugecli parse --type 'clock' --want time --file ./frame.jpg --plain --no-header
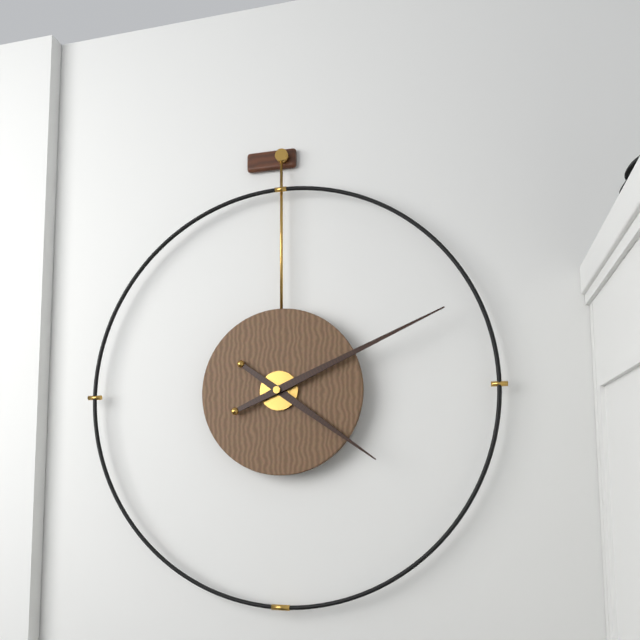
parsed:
4:11
